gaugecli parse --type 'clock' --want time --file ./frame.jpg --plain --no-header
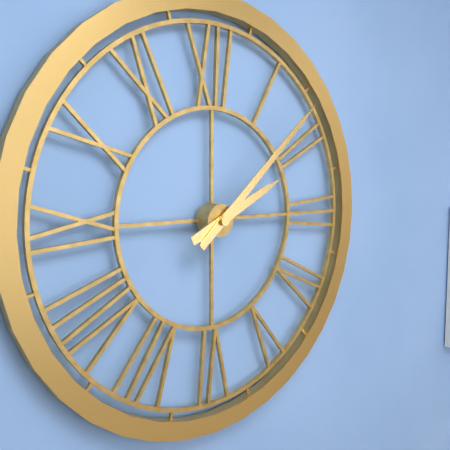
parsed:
2:08
